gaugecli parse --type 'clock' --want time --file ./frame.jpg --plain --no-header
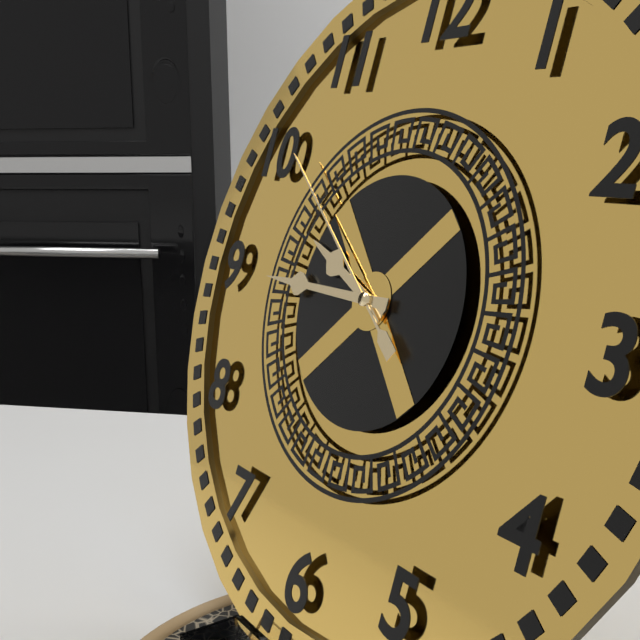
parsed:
9:45:51
